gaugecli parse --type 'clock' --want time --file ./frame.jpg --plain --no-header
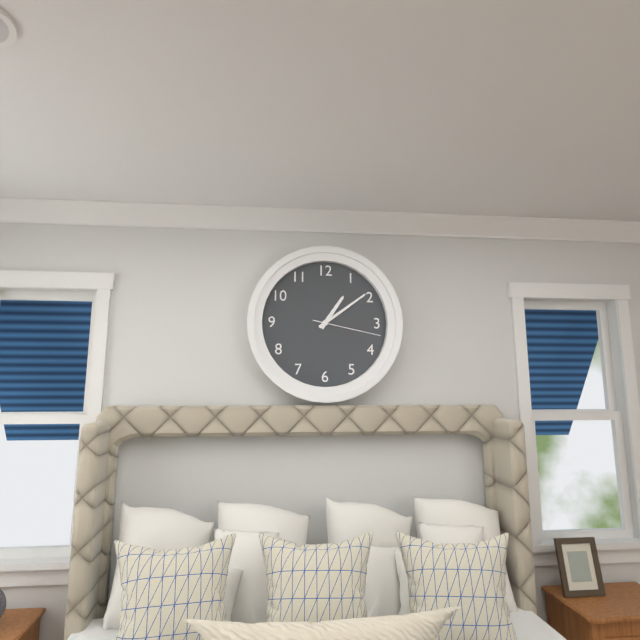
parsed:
1:09:17
